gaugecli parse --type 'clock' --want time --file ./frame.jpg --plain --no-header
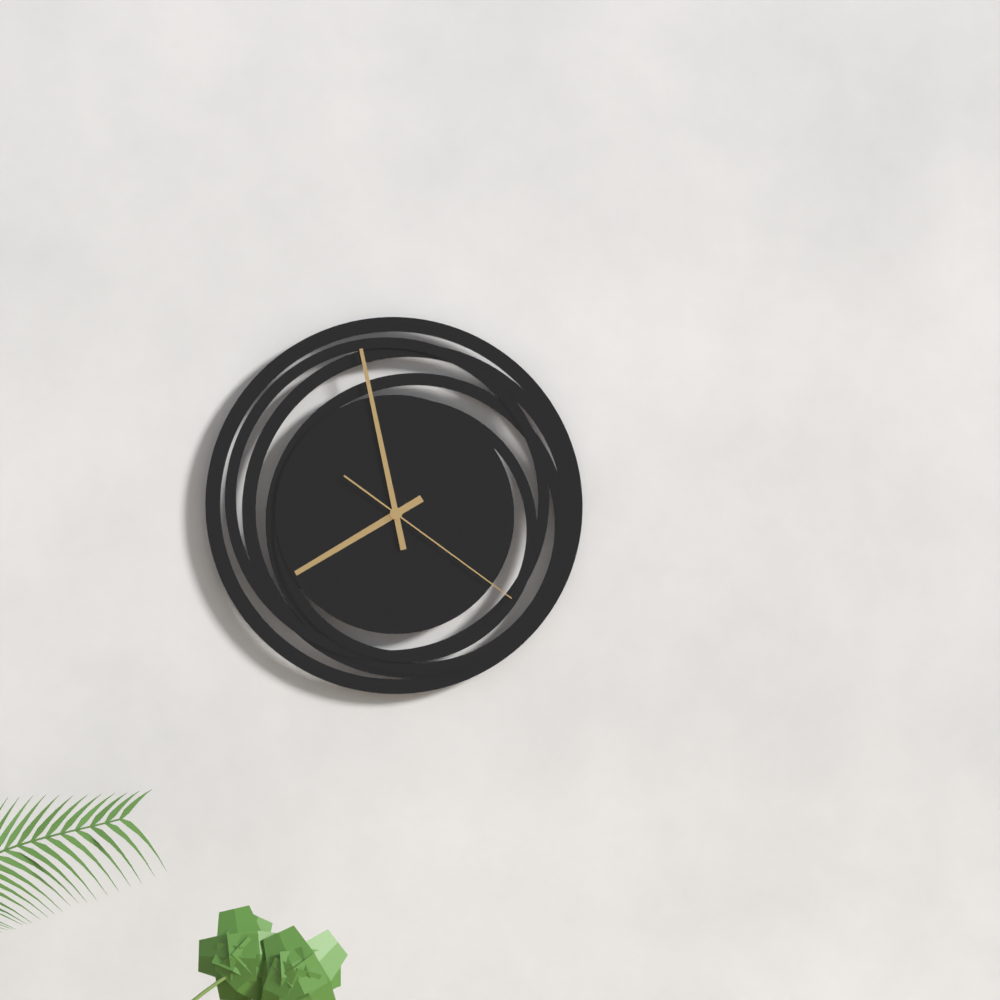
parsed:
7:58:21
